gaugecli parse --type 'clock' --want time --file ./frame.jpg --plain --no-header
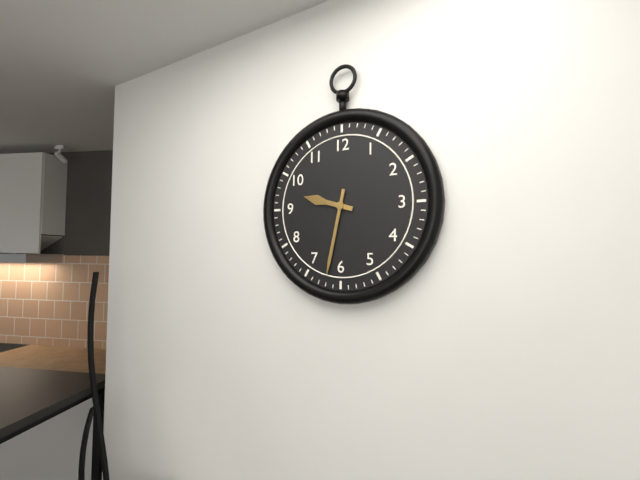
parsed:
9:32
